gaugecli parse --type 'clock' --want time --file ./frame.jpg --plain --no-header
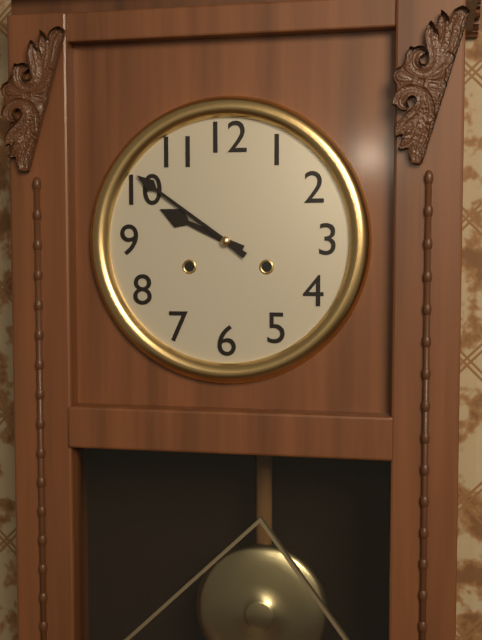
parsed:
9:51
